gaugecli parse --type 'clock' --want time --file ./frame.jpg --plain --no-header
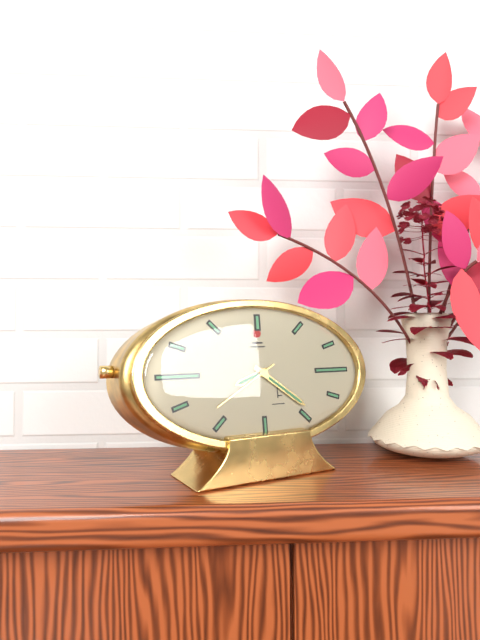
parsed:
8:21:40
